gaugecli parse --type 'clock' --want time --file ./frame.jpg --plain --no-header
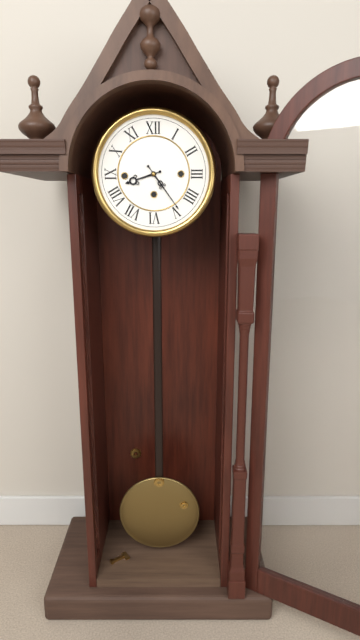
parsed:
8:24
